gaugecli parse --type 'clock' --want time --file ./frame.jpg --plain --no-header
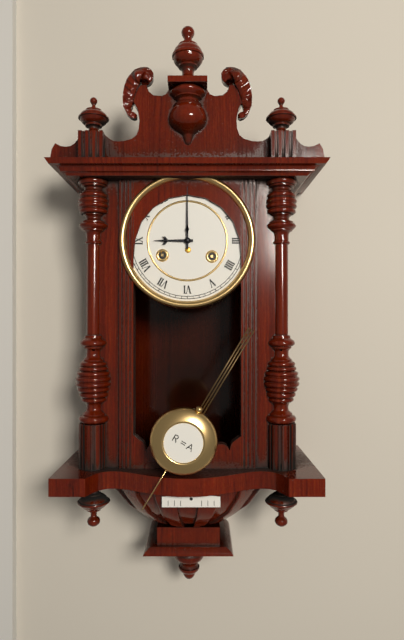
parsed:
9:00
